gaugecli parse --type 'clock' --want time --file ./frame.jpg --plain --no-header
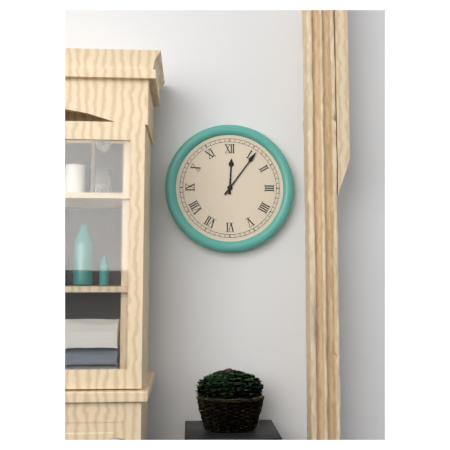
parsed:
12:06
